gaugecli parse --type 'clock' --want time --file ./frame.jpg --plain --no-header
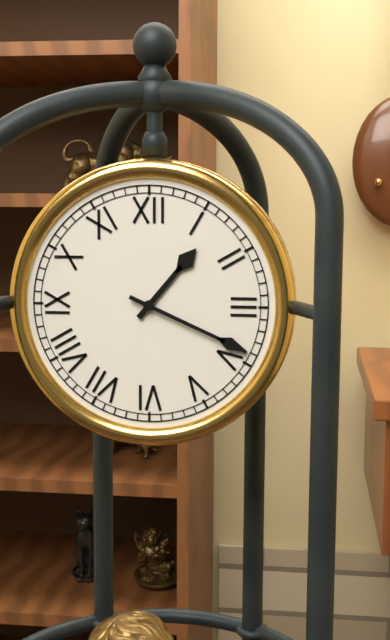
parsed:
1:19
